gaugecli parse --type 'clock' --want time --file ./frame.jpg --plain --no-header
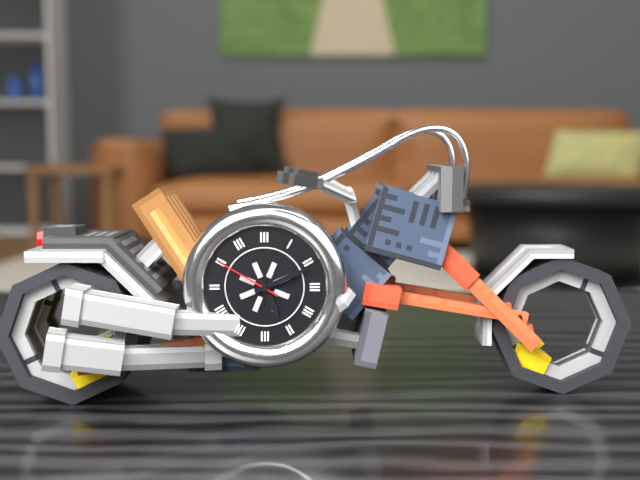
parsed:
5:11:50
